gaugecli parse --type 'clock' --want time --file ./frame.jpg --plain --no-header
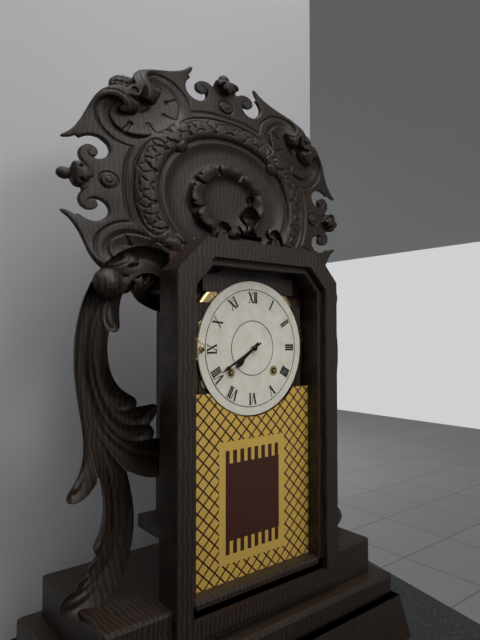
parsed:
7:40
